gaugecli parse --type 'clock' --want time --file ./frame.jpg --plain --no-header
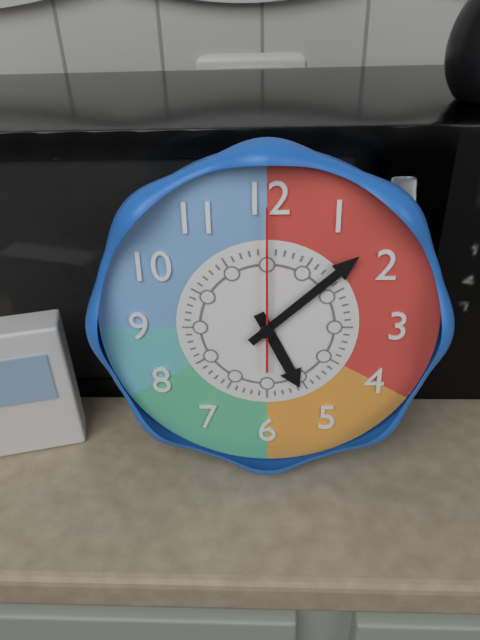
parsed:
5:08:00
